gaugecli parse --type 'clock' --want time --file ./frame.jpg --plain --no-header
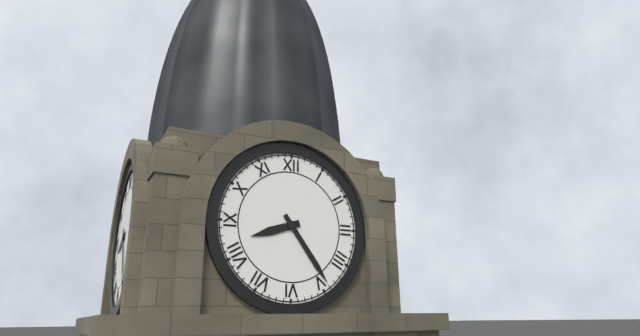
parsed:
8:24
